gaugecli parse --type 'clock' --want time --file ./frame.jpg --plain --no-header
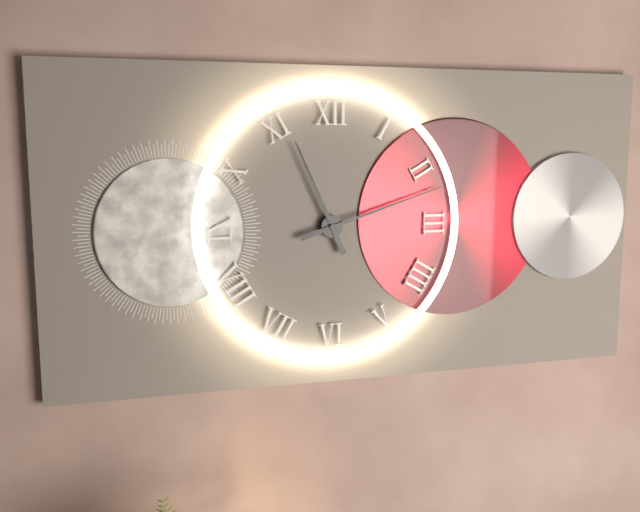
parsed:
11:12
